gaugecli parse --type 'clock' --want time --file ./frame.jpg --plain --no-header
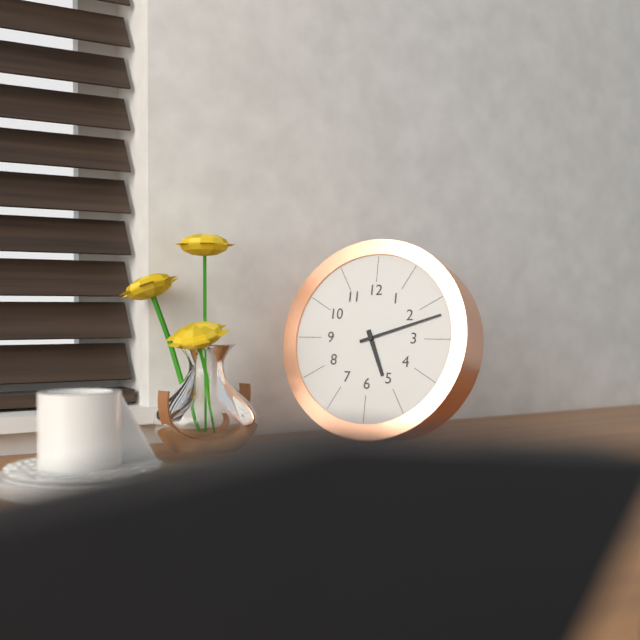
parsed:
5:12
